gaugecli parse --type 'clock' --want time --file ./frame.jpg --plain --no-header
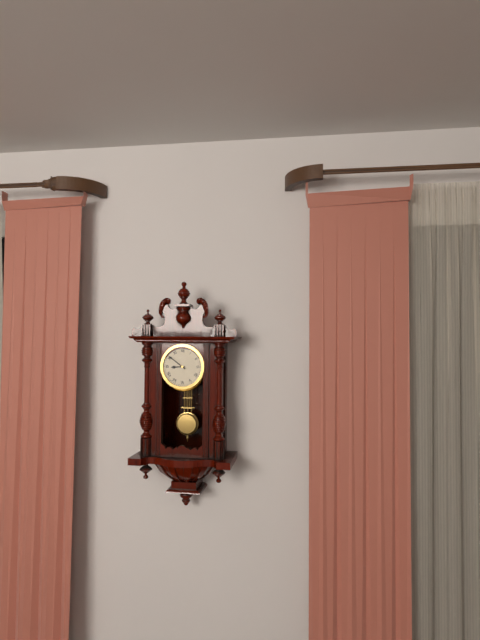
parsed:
8:51
